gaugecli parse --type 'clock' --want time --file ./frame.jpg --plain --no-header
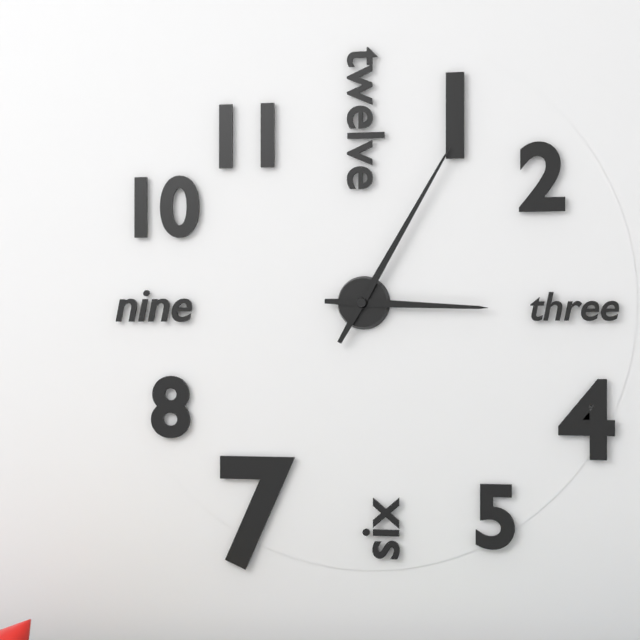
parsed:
3:05
